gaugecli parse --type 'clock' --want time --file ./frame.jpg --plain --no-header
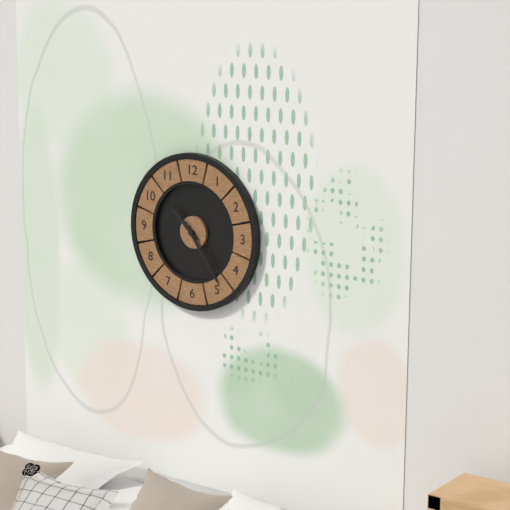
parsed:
10:24
